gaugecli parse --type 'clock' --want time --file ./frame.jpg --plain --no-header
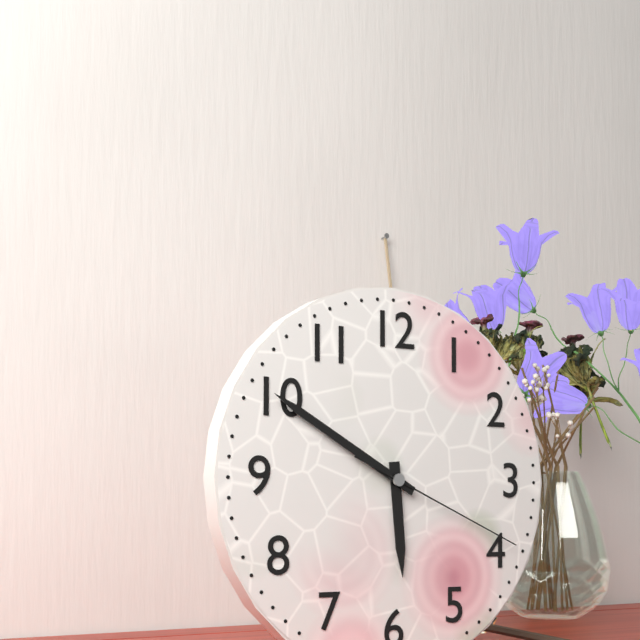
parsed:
5:50:19
